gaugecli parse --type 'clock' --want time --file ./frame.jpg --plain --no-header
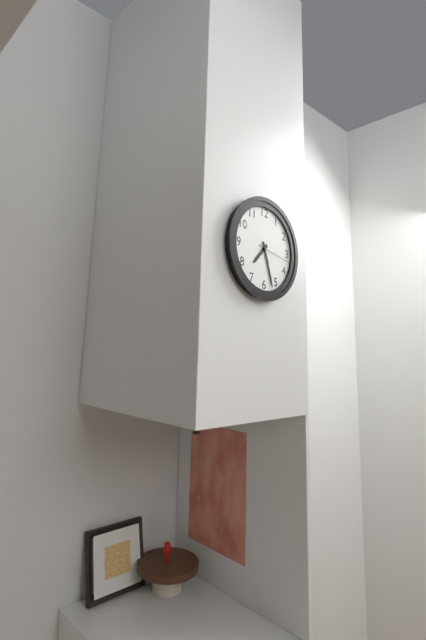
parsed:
7:27
